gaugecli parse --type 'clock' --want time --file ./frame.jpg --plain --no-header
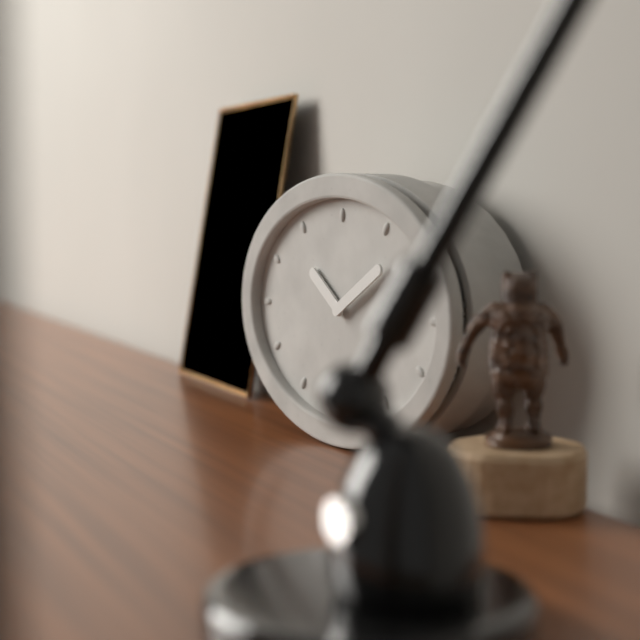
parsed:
10:10
